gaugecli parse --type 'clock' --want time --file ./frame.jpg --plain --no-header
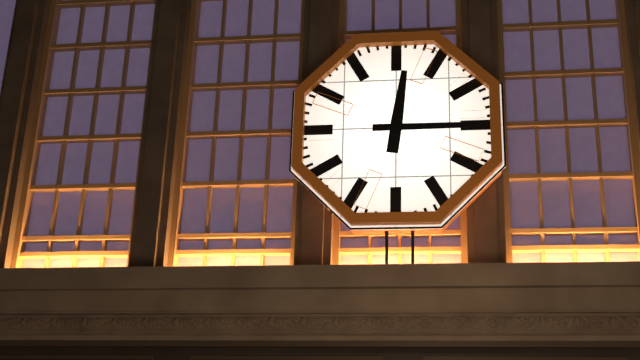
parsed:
12:15
